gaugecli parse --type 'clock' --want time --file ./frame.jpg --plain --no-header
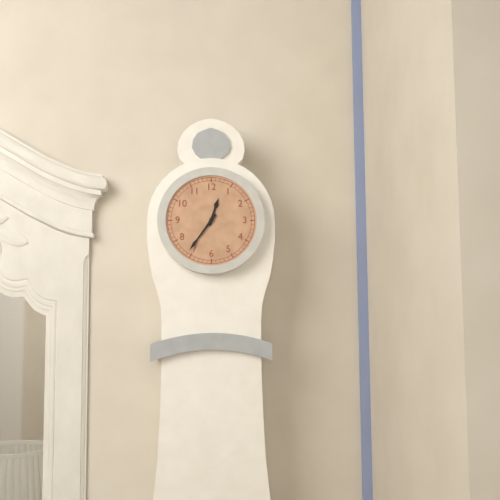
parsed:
12:36
